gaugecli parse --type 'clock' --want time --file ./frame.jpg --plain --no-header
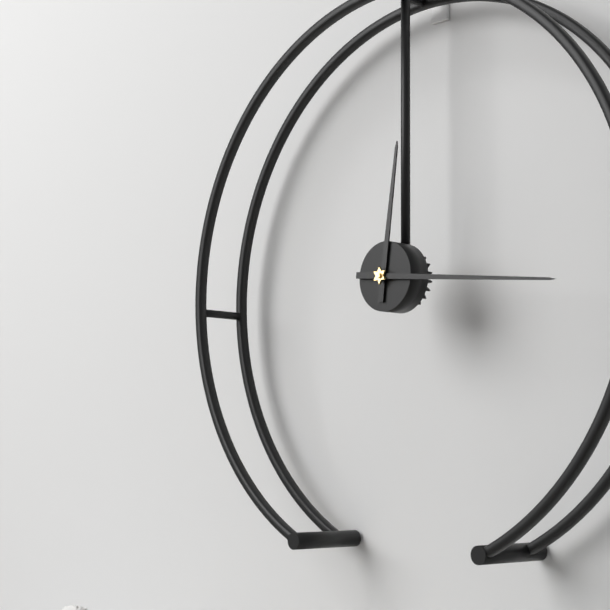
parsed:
12:16
